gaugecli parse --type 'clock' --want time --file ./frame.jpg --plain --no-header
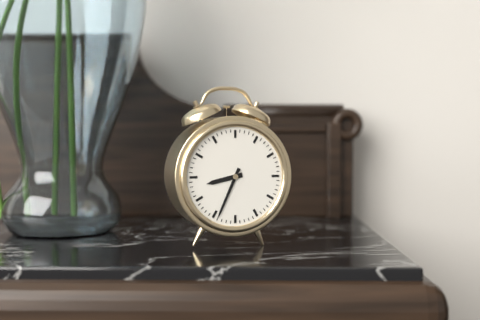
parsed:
8:34
